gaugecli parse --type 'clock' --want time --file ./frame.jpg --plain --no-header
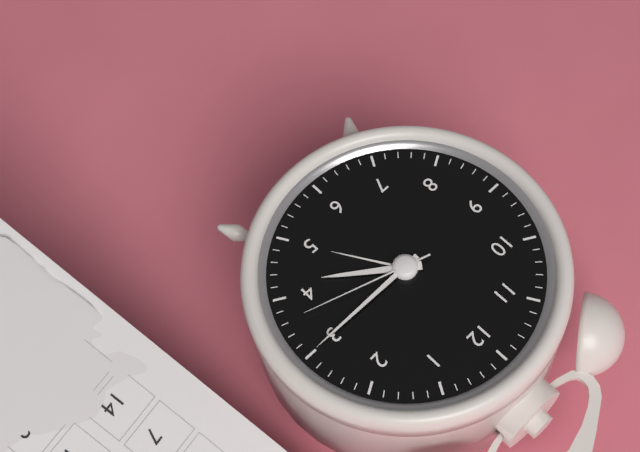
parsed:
4:15:18
